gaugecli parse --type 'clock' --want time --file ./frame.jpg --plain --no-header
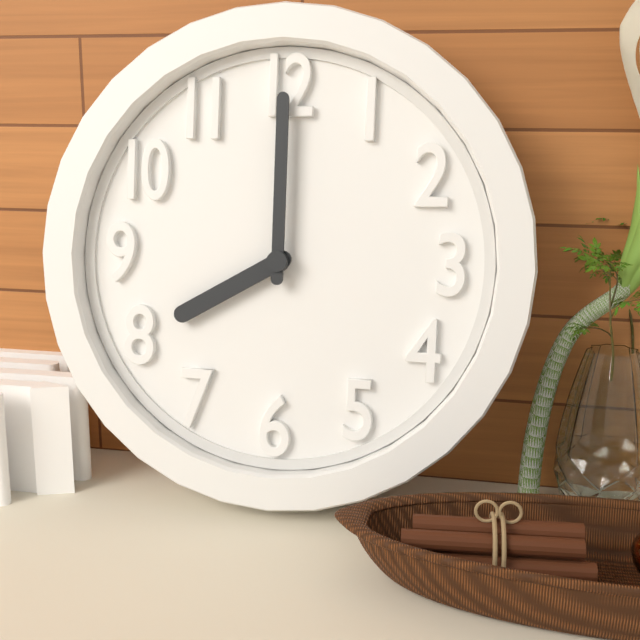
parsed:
8:00
